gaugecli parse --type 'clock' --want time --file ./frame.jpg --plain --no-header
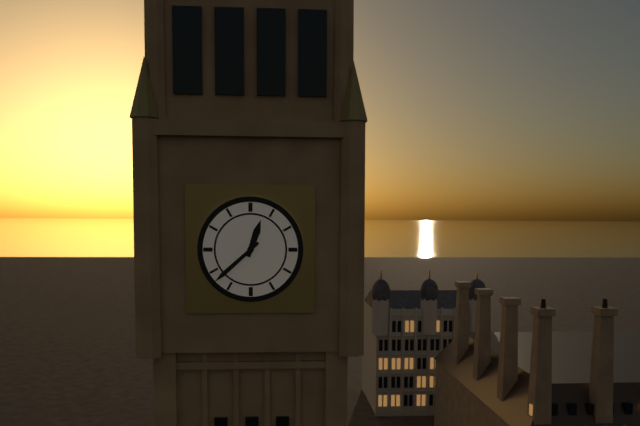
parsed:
12:38
